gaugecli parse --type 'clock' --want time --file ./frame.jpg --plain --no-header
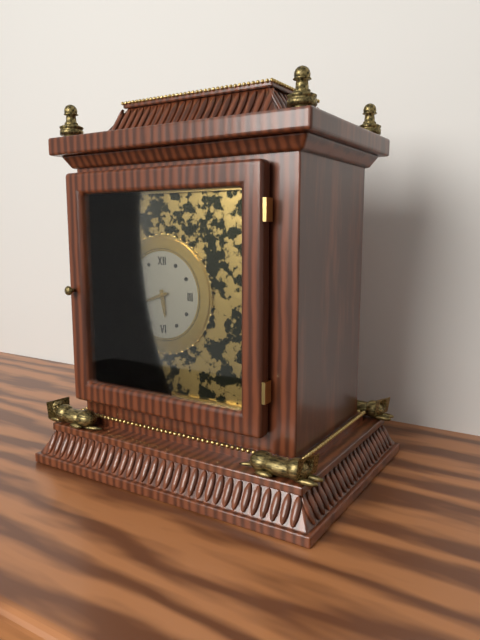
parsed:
5:42
